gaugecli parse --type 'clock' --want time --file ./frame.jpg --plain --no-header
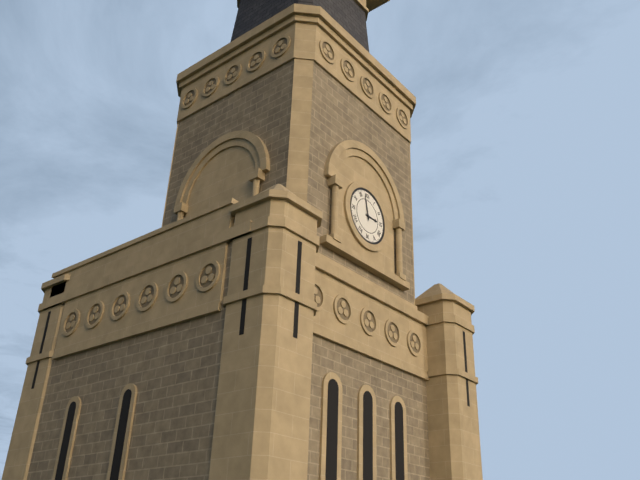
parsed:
2:58
